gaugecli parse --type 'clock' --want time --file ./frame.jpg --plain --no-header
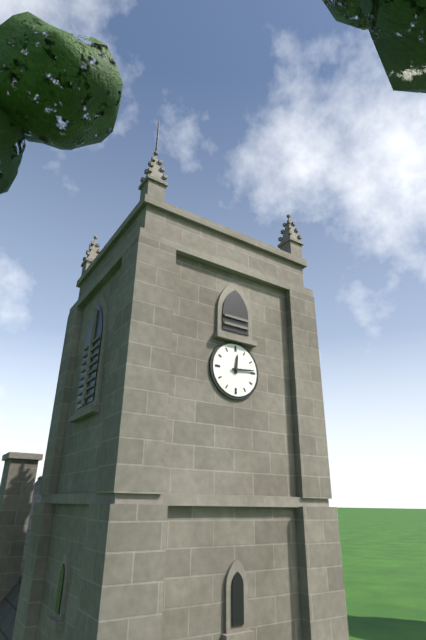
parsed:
12:14
